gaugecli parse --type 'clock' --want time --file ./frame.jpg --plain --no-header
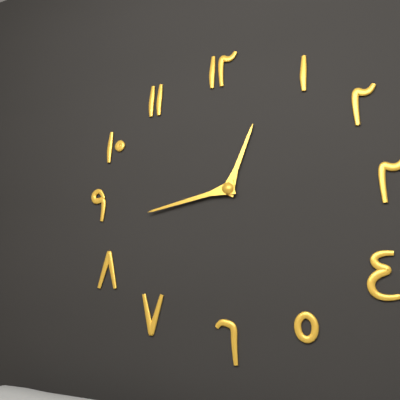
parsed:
12:43
